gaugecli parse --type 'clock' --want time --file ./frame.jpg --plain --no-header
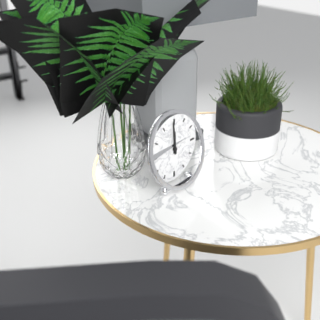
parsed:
11:59
